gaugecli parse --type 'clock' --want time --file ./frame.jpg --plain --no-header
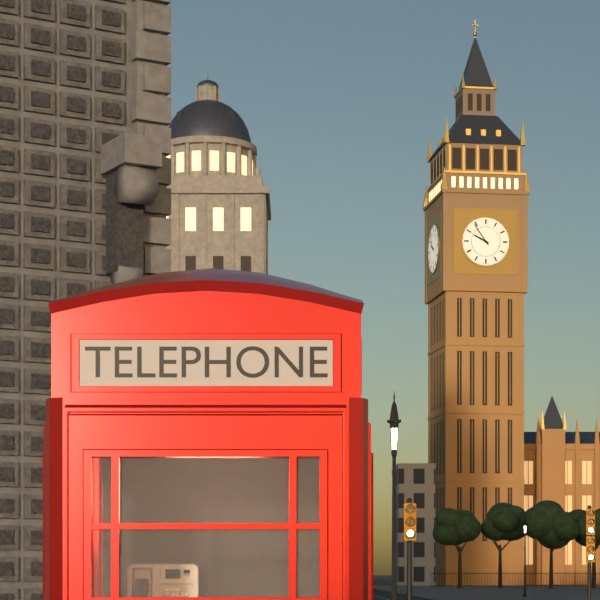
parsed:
9:54
